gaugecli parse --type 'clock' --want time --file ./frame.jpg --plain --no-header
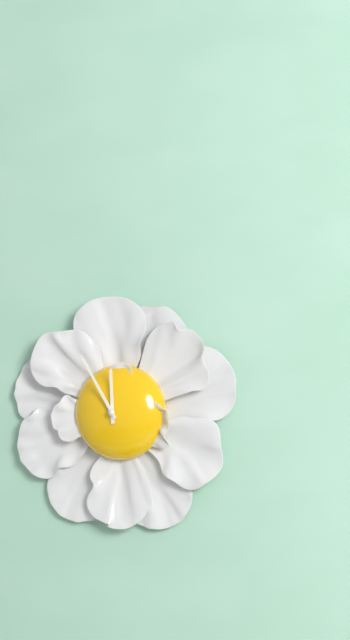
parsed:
11:55
